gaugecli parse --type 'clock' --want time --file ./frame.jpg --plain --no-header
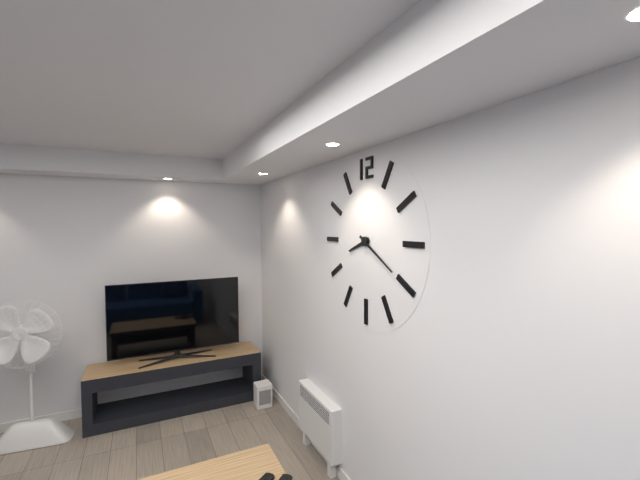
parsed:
8:20
